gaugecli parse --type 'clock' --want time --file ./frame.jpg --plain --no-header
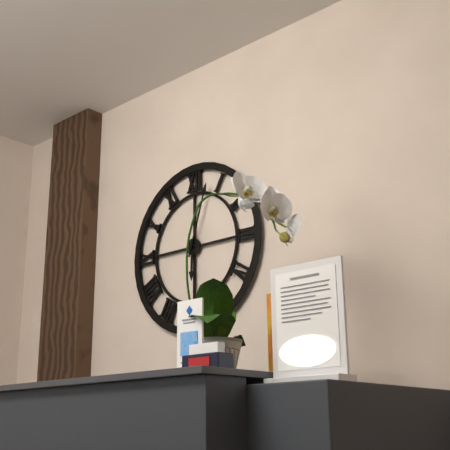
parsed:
6:03
